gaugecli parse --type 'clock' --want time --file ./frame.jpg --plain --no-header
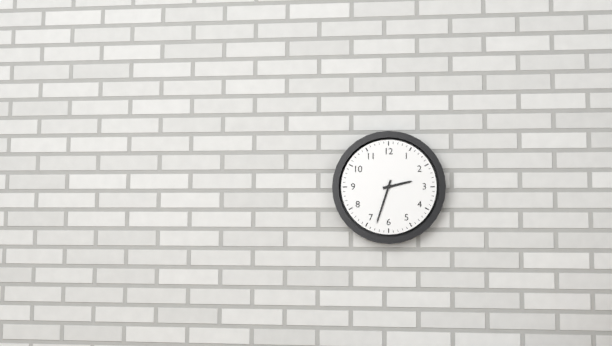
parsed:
2:33
